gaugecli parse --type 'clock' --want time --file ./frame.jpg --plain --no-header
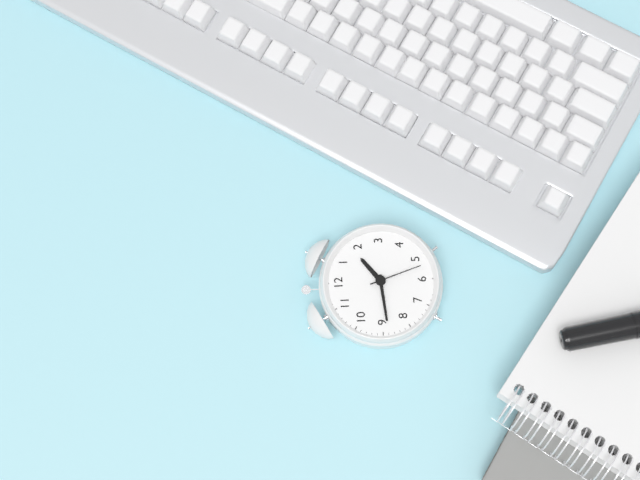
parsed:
1:44:27
